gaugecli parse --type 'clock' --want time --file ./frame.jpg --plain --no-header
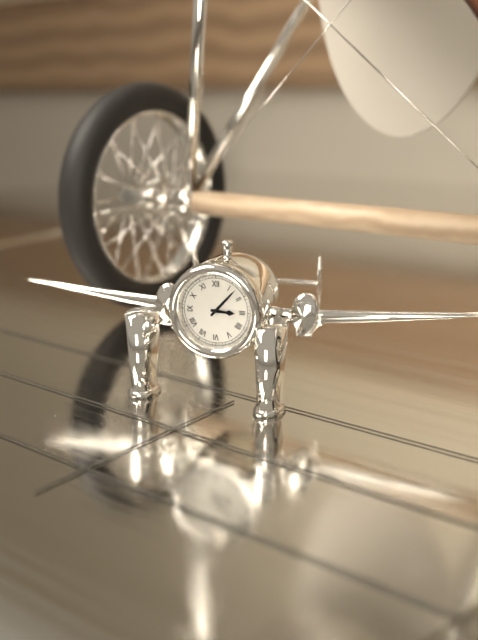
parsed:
3:07
